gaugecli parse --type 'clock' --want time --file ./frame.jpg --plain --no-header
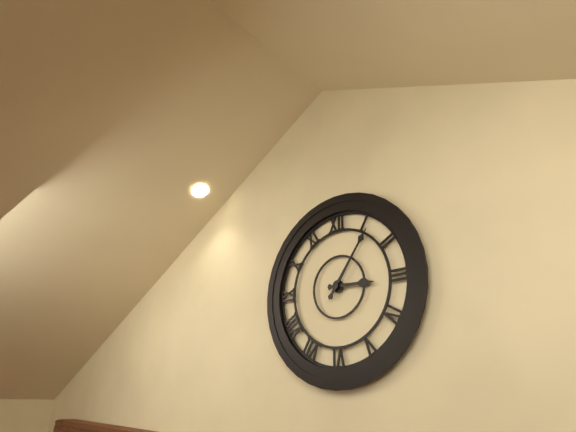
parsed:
3:06
